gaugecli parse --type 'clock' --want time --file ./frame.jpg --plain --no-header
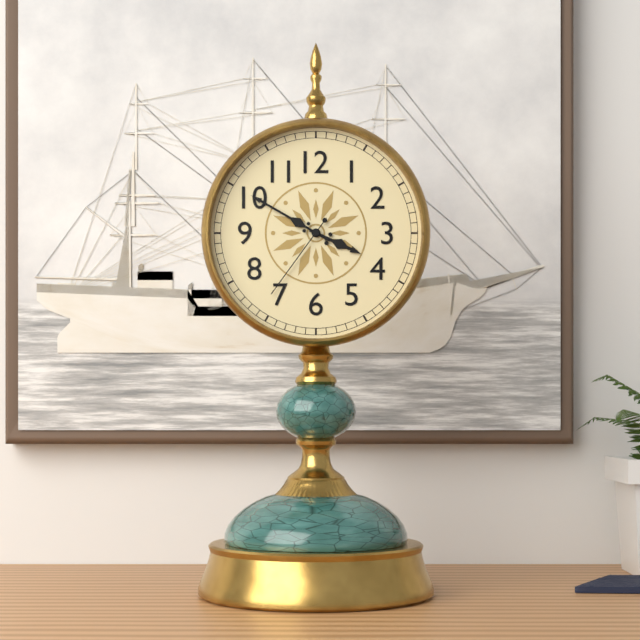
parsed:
3:50:36
